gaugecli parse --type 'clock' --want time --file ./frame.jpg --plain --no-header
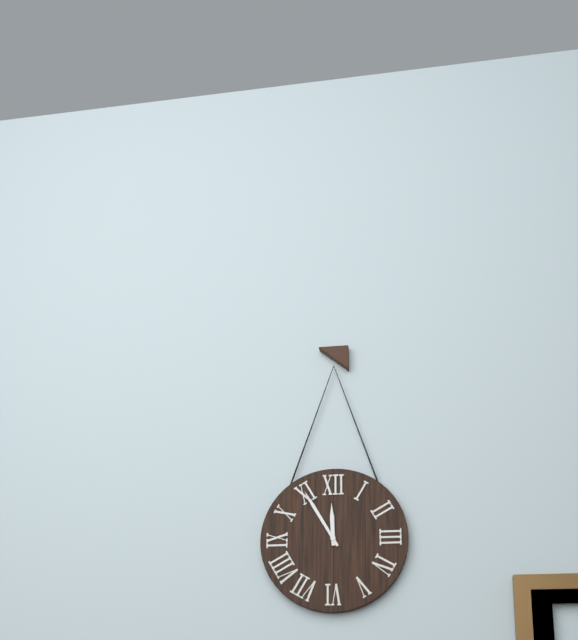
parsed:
11:55
